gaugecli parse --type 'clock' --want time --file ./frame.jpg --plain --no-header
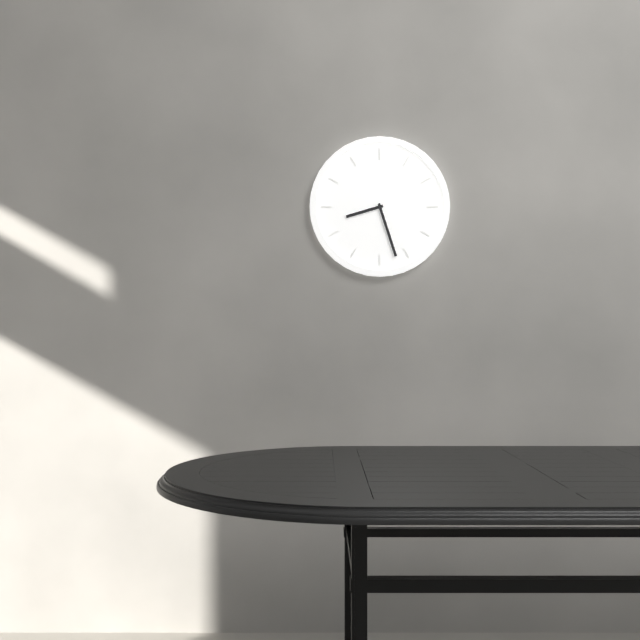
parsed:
8:27
